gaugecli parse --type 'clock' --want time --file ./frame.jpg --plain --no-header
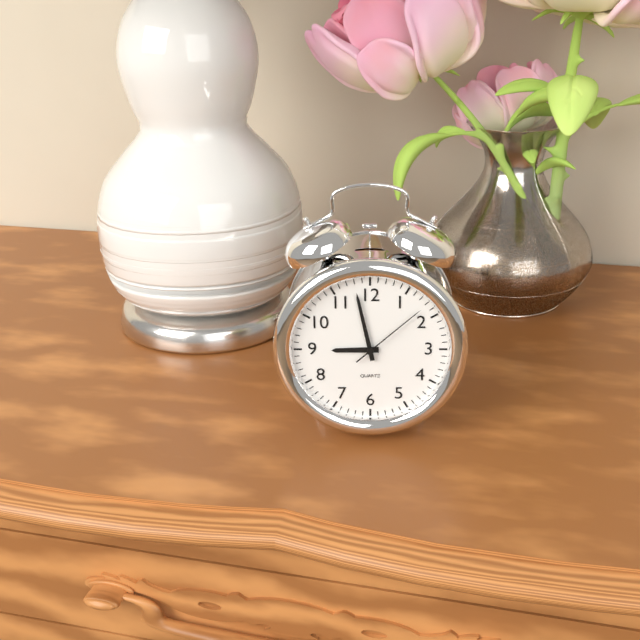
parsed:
8:58:08
